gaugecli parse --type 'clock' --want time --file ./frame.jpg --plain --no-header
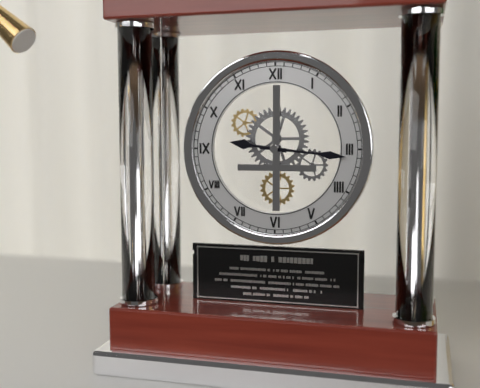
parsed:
9:16
